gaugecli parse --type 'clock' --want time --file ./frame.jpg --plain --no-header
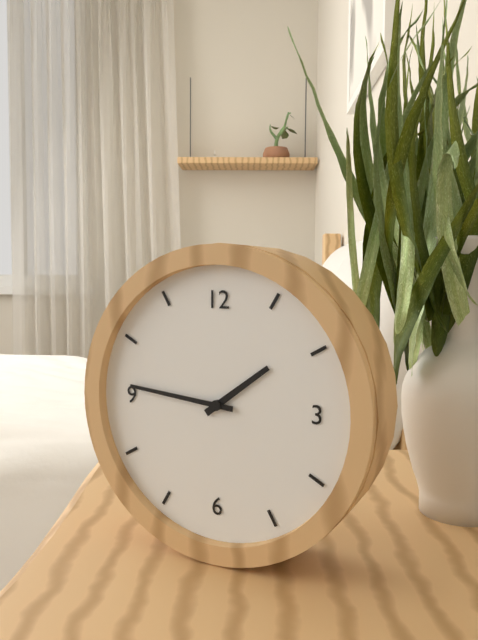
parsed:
1:46
